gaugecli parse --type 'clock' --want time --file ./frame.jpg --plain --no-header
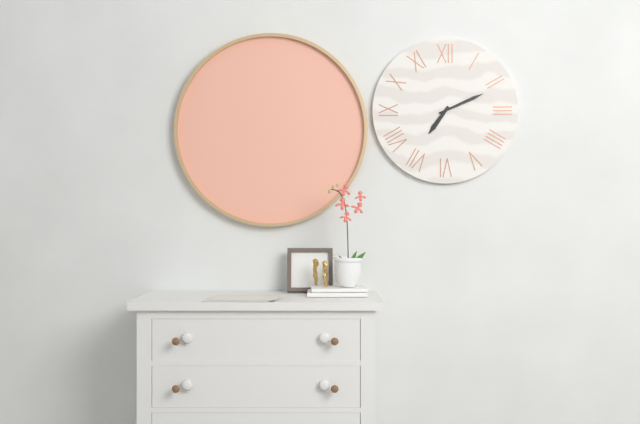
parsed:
7:11
